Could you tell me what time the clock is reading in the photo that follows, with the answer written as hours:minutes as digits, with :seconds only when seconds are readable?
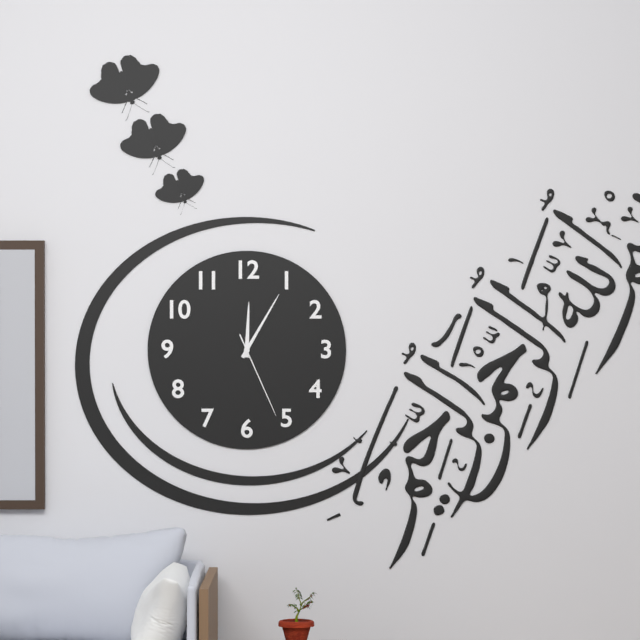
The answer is 12:05:26
